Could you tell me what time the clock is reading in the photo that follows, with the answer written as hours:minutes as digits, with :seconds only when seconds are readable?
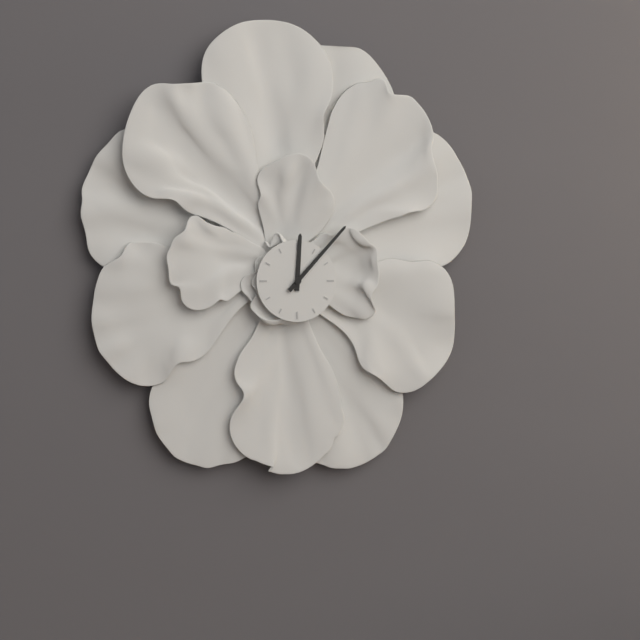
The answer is 12:07
